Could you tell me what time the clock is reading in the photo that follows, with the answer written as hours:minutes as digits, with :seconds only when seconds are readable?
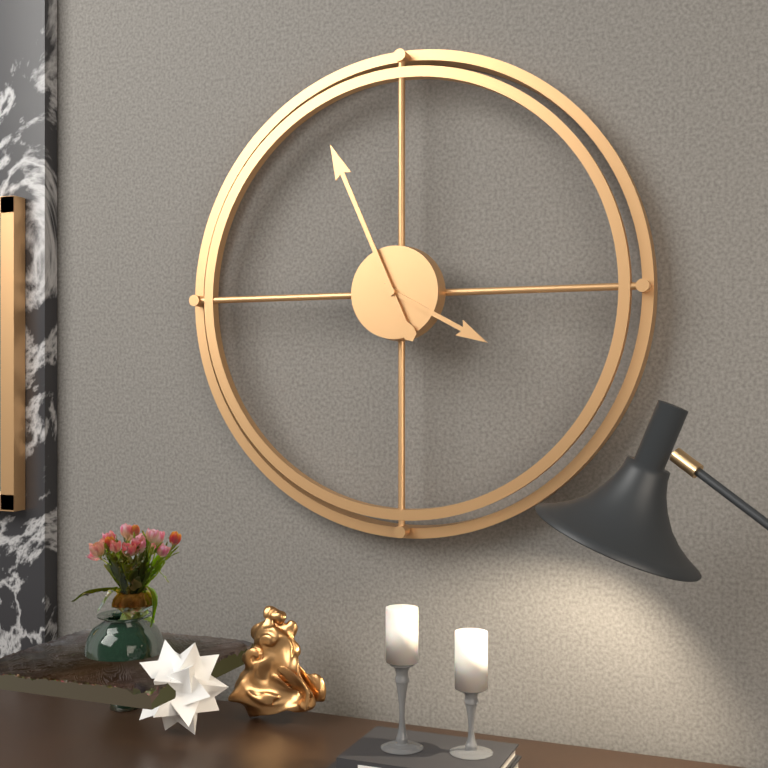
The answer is 3:56
